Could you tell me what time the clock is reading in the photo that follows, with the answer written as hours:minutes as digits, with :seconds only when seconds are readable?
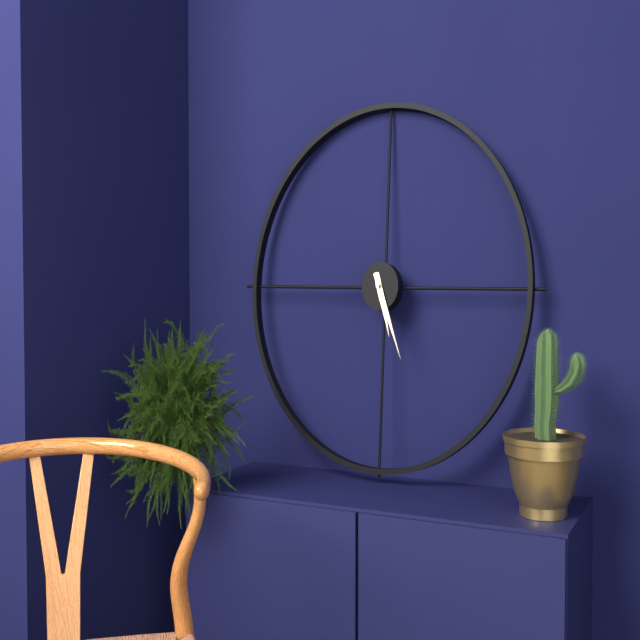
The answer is 5:26
